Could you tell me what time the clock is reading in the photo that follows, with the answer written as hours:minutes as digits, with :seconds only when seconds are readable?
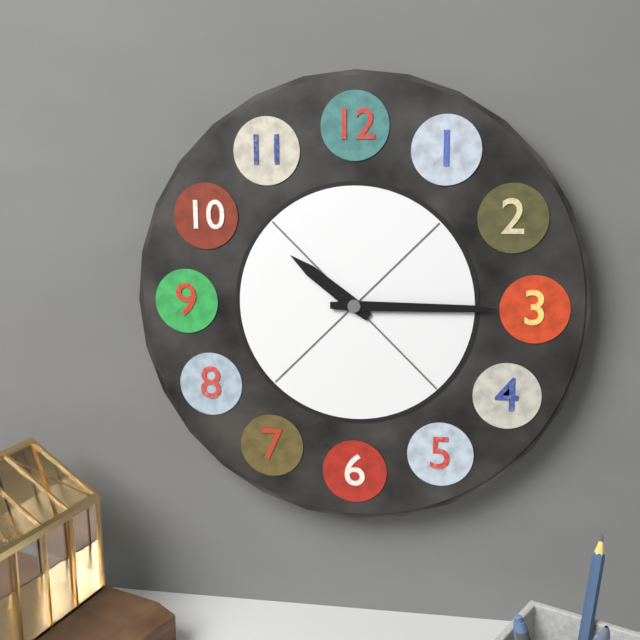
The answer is 10:15
